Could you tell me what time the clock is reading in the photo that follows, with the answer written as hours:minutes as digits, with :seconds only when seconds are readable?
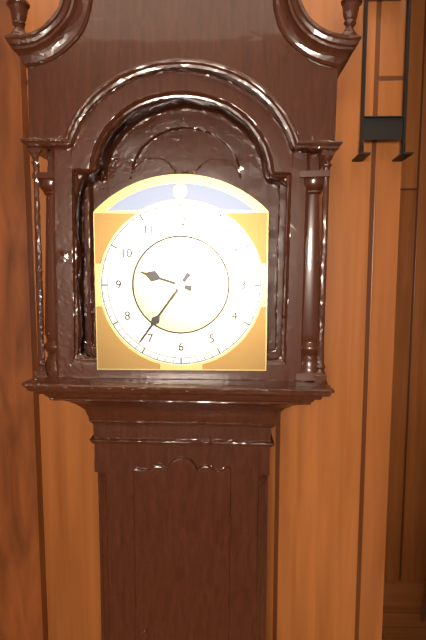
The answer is 9:36
